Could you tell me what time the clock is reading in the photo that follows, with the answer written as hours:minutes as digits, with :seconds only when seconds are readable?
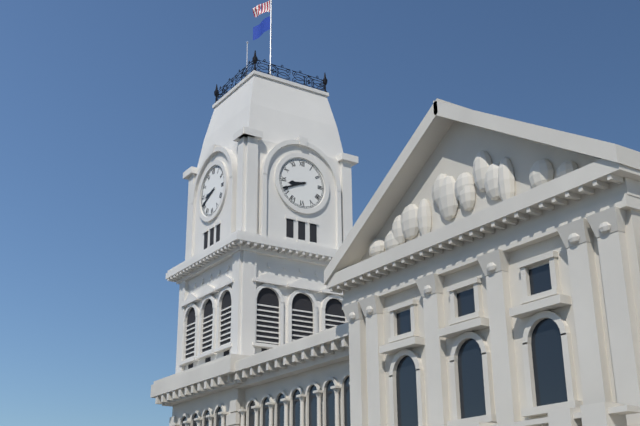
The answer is 8:41
